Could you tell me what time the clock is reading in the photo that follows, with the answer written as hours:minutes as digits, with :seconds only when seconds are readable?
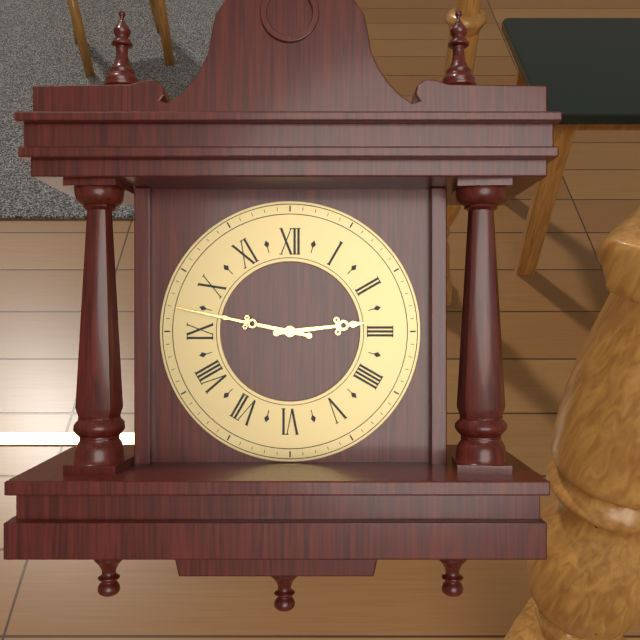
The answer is 2:47
